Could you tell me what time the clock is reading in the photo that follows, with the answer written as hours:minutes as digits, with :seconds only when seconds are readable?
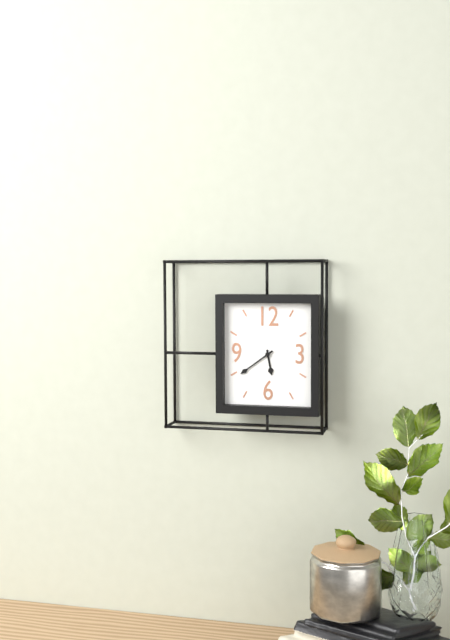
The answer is 5:39
